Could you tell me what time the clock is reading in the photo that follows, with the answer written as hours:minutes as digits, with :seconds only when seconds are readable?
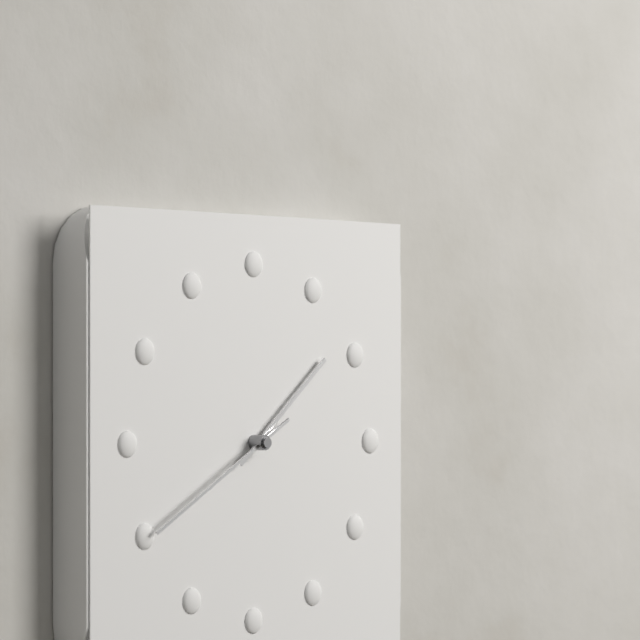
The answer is 1:40
